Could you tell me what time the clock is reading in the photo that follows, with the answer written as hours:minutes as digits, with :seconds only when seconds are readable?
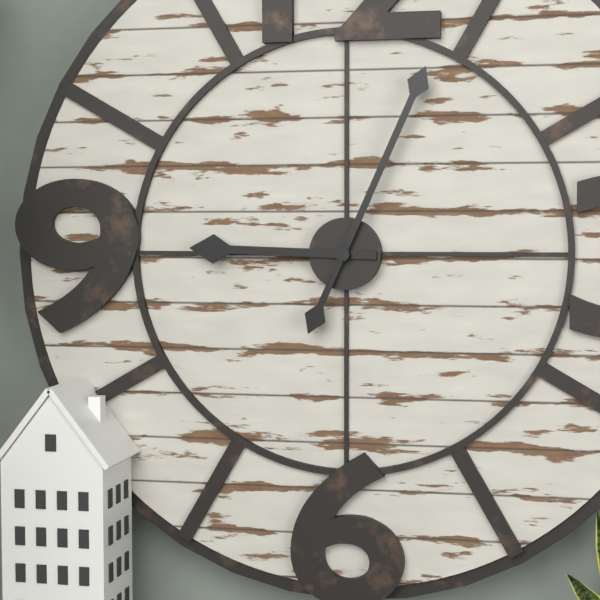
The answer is 9:04
